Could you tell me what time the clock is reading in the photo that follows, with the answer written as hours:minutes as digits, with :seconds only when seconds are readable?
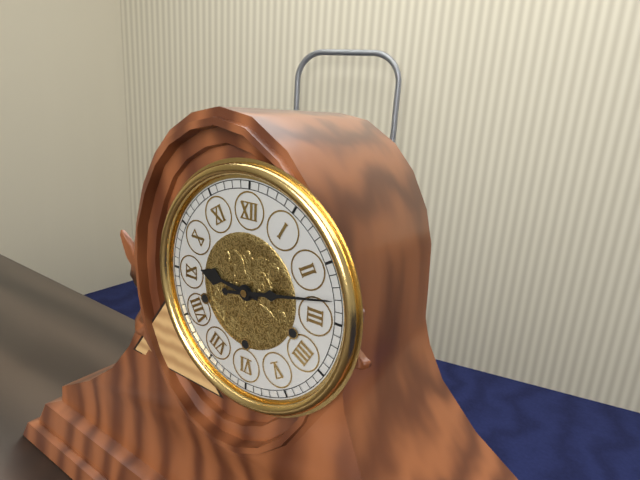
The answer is 9:13
